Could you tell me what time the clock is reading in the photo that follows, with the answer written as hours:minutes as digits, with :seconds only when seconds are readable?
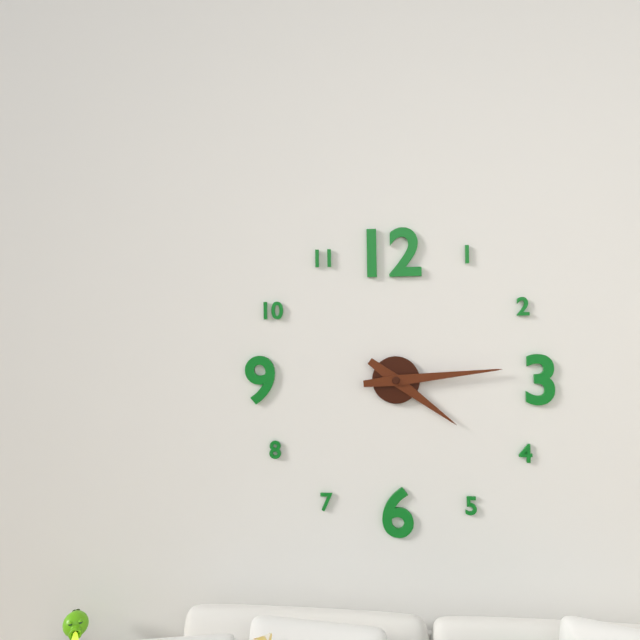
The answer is 4:14
